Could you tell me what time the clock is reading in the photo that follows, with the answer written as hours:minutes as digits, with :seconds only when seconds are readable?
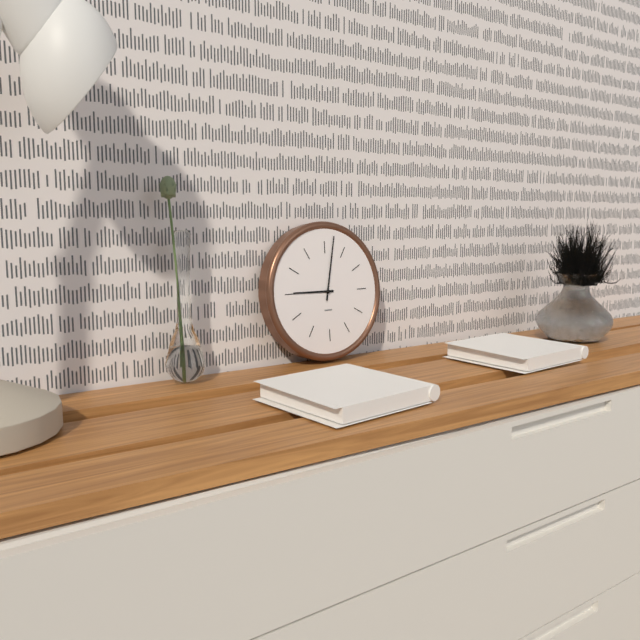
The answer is 9:02
